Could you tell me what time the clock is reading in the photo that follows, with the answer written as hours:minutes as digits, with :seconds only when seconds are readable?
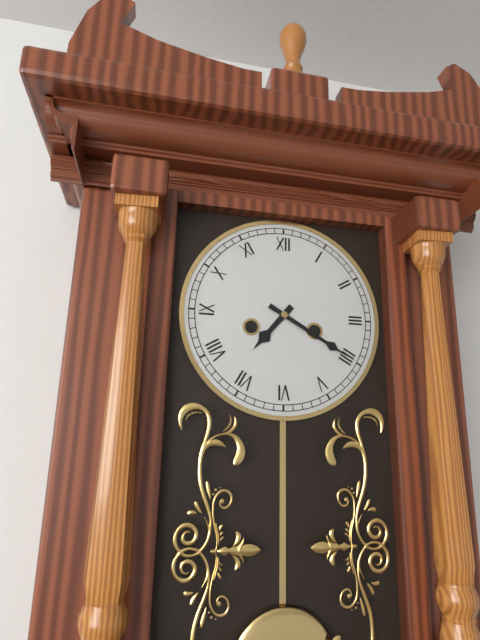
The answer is 7:20
